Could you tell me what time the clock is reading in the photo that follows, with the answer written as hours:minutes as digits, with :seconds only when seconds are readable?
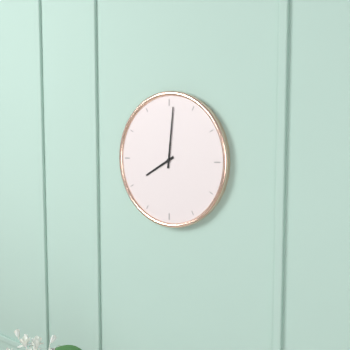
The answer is 8:01
